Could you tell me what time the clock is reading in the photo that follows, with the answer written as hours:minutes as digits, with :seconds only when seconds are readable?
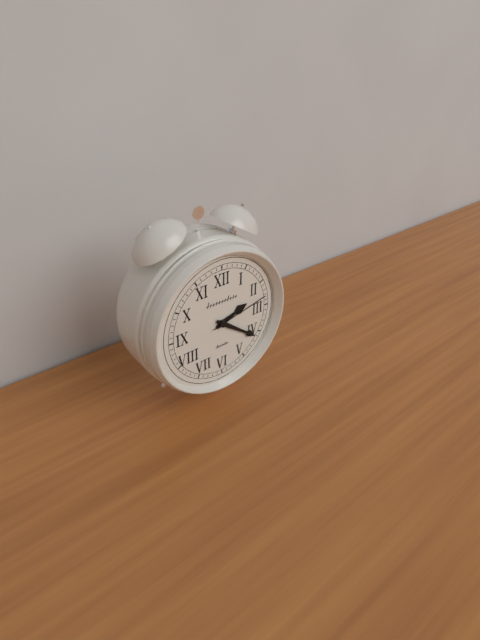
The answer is 2:21:13
